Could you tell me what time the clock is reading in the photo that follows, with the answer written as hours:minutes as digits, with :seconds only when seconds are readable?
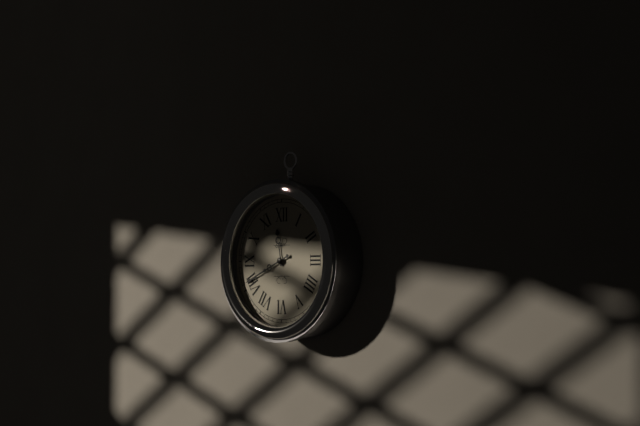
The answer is 11:41
